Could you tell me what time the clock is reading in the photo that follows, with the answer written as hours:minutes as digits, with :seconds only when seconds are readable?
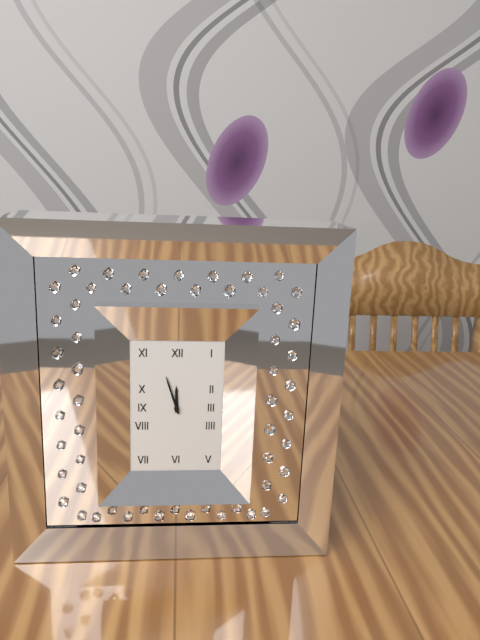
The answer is 11:57
